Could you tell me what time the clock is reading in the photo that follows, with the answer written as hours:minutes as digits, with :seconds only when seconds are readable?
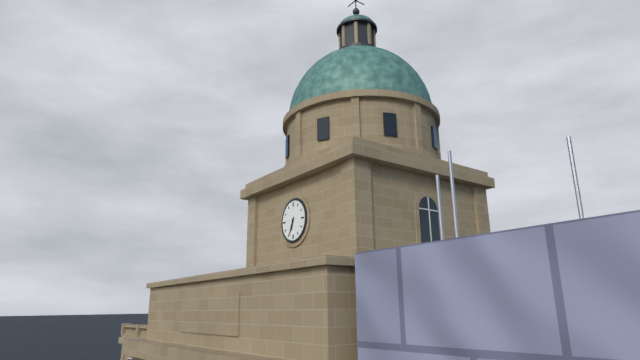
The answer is 6:34
